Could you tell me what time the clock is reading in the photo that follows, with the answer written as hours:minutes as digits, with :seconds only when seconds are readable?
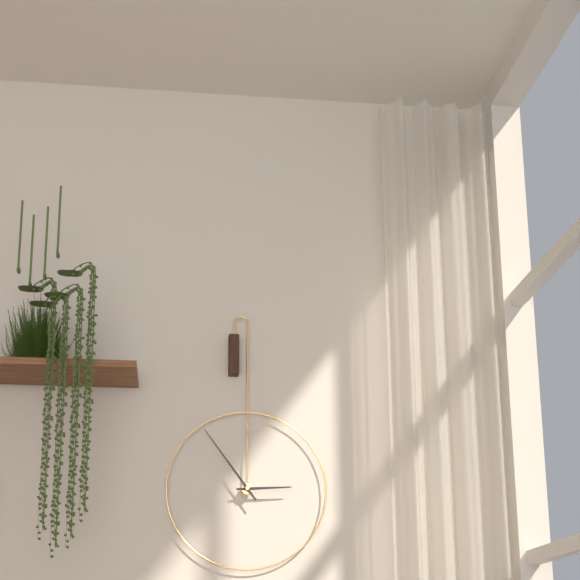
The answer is 2:54
